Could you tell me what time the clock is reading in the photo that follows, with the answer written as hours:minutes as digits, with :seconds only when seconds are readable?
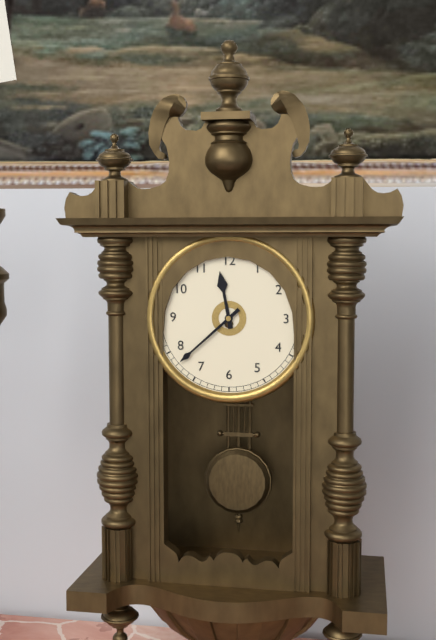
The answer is 11:38
